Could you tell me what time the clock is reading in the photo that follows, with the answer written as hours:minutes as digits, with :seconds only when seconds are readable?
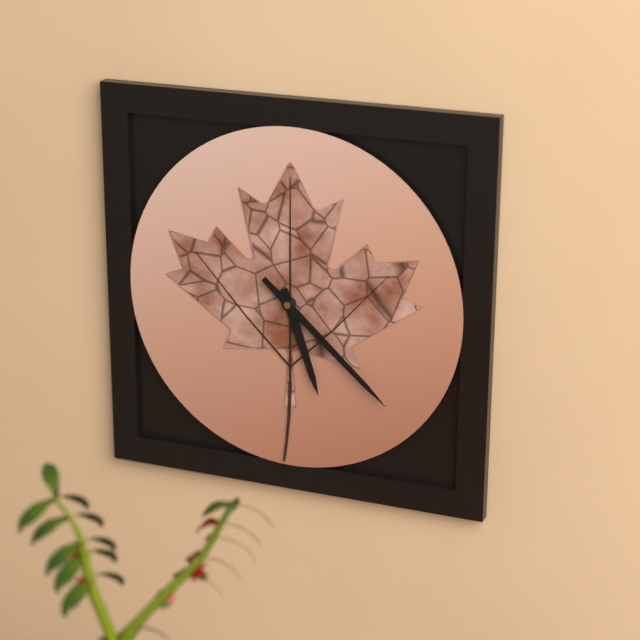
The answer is 5:22
